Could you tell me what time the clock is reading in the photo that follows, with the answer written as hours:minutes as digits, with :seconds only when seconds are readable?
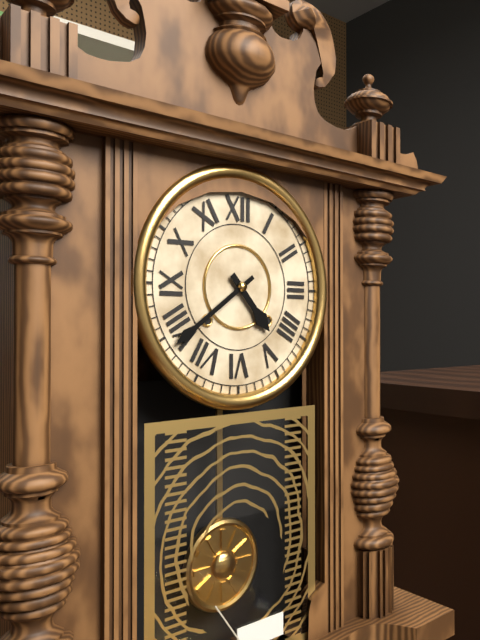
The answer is 4:39
